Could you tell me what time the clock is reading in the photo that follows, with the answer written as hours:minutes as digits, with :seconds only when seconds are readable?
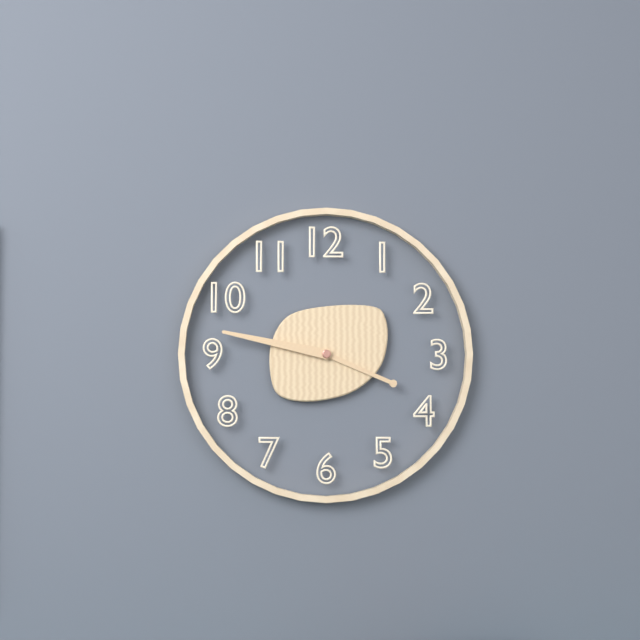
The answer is 3:47
